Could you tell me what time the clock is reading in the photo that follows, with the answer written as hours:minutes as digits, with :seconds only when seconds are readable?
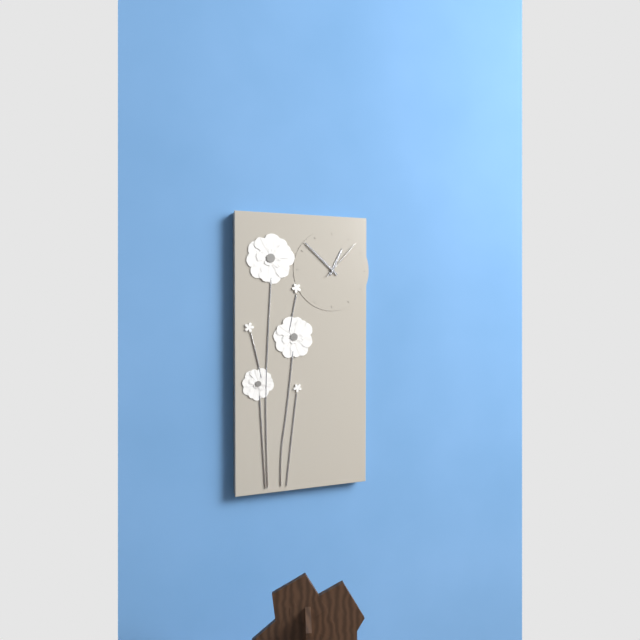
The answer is 12:52
